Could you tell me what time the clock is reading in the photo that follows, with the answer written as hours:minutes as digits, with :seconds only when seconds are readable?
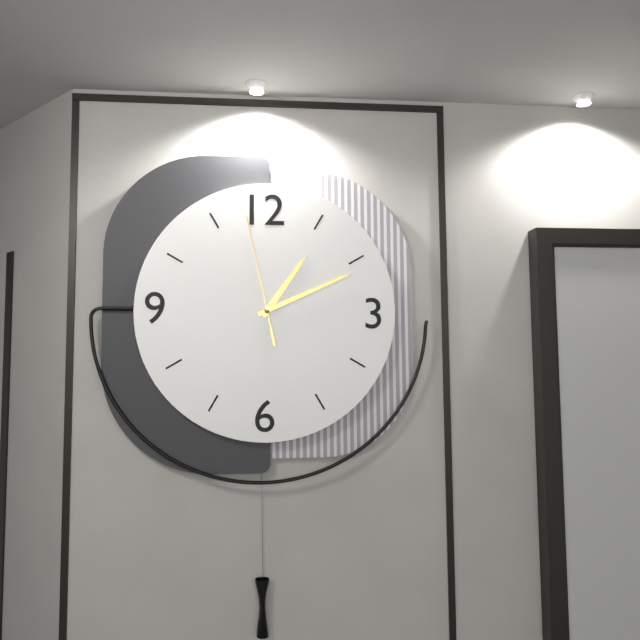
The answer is 1:11:58
